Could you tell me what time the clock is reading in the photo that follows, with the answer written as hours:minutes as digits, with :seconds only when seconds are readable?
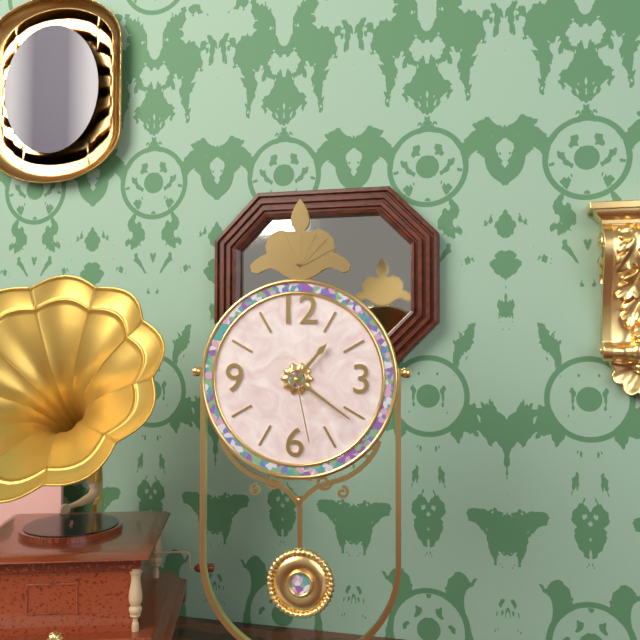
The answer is 1:21:28
